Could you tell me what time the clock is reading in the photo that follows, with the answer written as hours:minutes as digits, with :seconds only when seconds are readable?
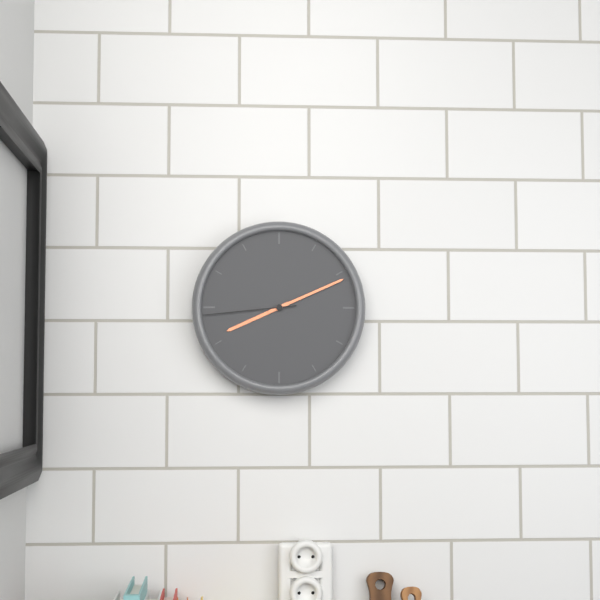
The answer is 8:11:44
